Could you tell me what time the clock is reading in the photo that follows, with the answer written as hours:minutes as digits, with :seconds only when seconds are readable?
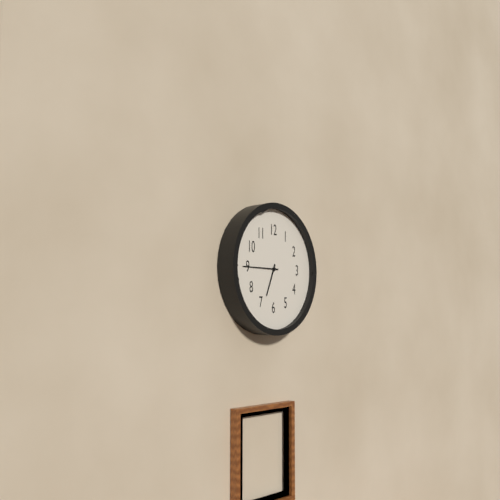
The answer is 6:45
